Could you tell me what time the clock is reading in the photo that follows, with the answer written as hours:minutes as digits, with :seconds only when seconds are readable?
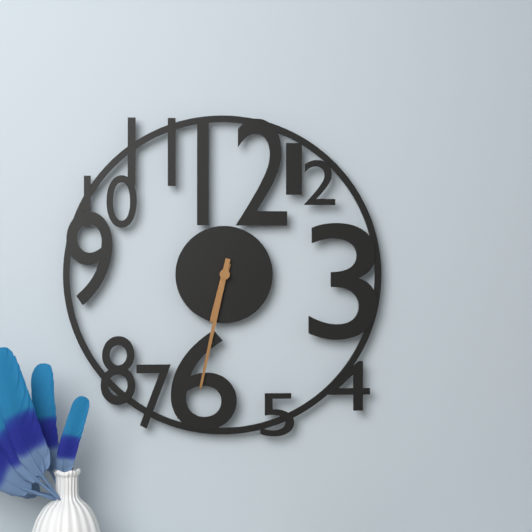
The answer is 6:32
